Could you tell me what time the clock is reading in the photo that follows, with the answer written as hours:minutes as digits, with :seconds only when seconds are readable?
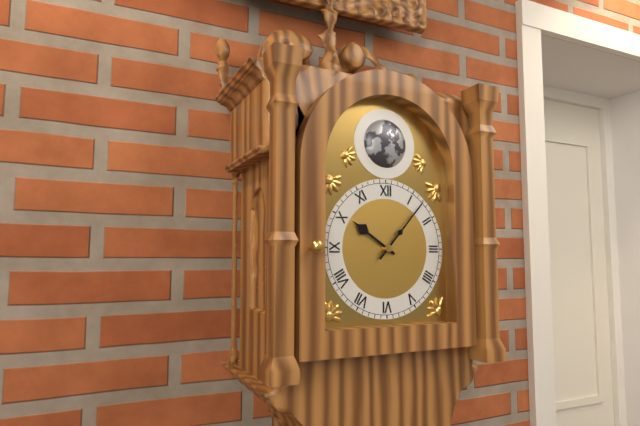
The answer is 10:07
